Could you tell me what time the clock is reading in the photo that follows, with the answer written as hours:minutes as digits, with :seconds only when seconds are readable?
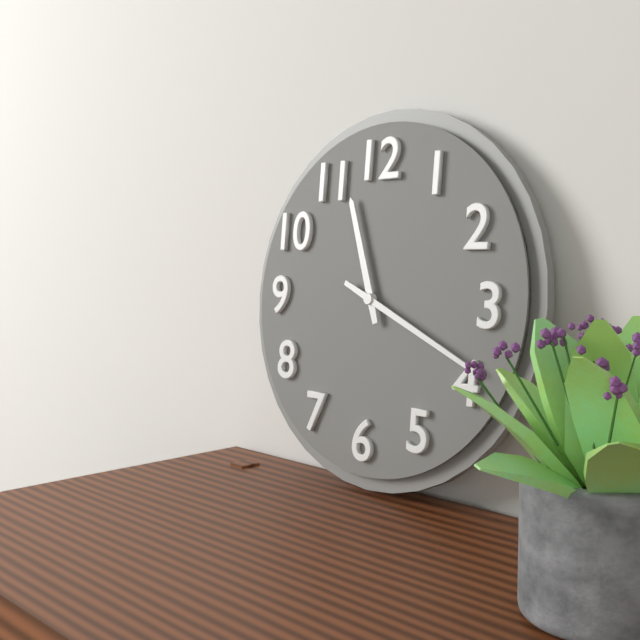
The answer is 11:19
